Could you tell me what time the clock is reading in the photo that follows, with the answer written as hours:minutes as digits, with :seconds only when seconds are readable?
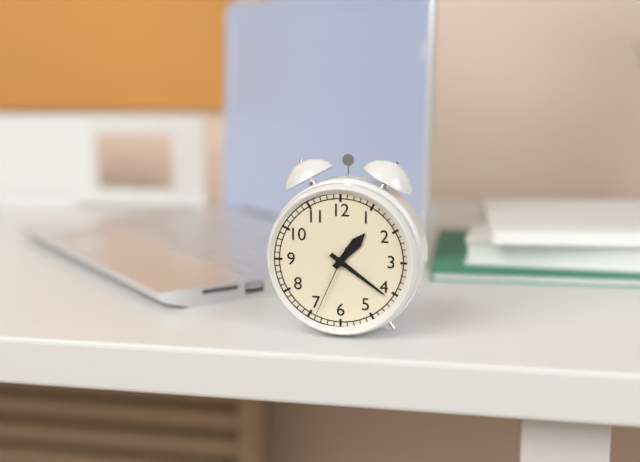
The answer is 1:21:34
